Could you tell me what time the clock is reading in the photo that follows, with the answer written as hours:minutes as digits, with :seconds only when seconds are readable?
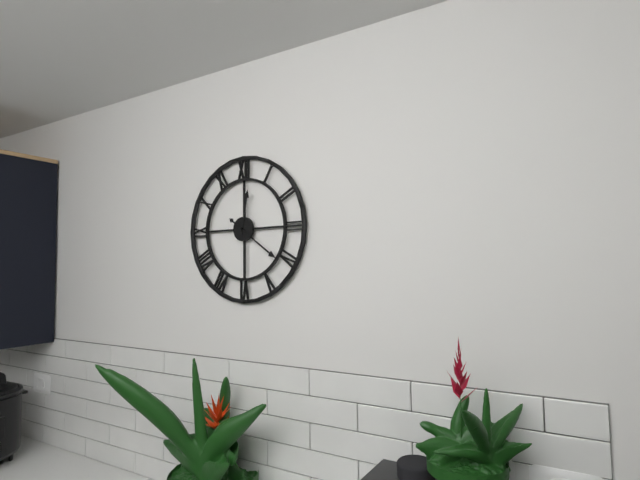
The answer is 12:21
